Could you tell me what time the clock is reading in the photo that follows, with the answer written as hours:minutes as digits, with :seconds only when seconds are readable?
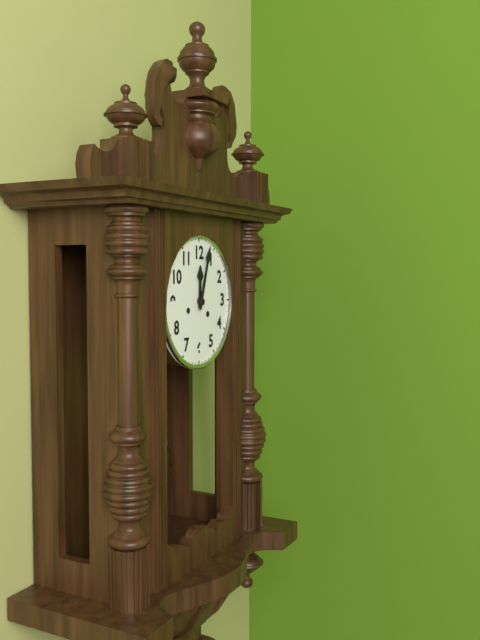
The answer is 12:03
